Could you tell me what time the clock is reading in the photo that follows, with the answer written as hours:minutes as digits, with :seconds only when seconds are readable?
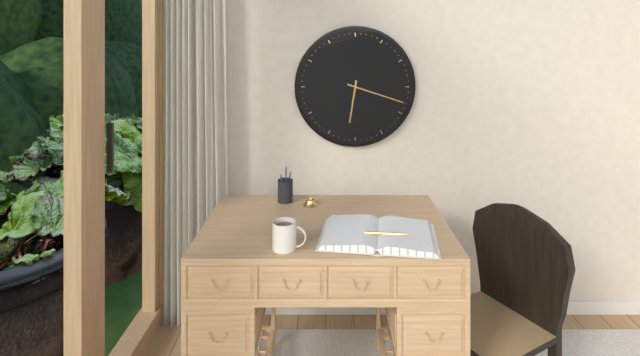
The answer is 6:18
